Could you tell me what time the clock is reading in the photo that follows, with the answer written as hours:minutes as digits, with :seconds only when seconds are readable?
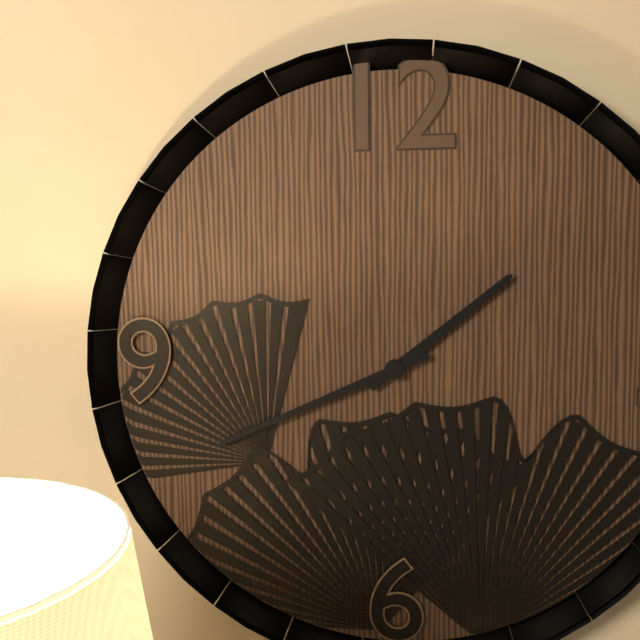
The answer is 1:41
